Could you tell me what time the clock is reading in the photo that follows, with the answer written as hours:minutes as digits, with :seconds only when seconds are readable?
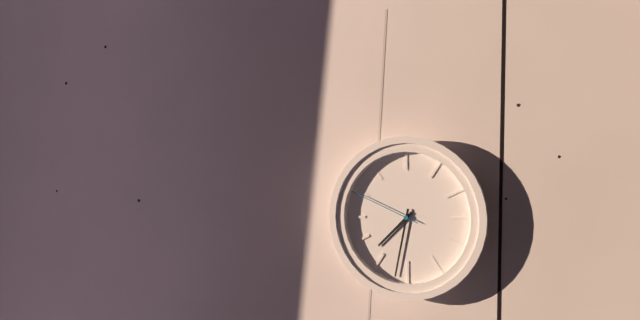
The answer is 7:32:49
